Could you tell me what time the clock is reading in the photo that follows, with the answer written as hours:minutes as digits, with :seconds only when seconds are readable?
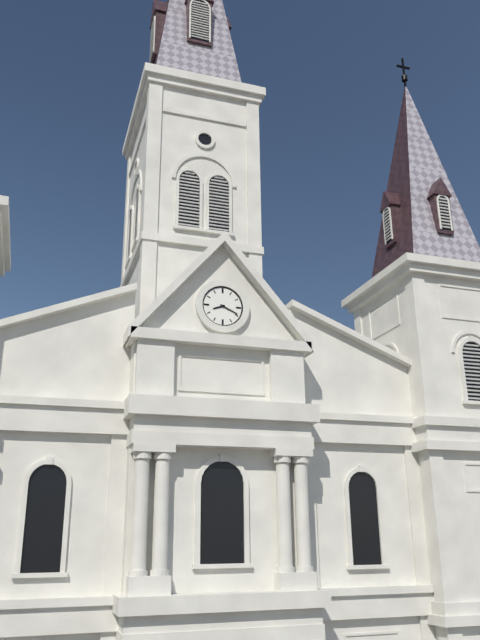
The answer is 8:19
